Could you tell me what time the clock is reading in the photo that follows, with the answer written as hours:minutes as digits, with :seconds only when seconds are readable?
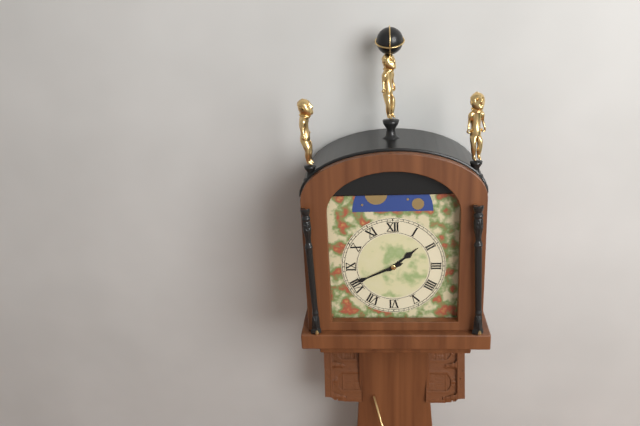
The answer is 1:41
